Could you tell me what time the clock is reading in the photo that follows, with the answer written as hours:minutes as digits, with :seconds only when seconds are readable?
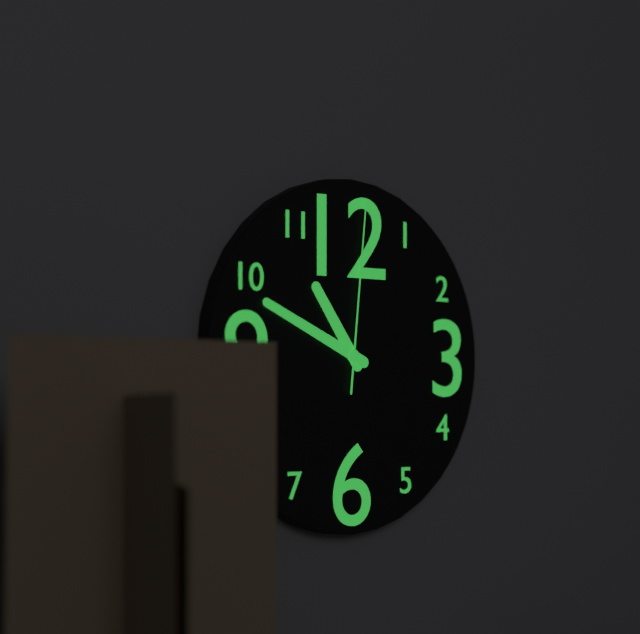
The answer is 10:49:01
